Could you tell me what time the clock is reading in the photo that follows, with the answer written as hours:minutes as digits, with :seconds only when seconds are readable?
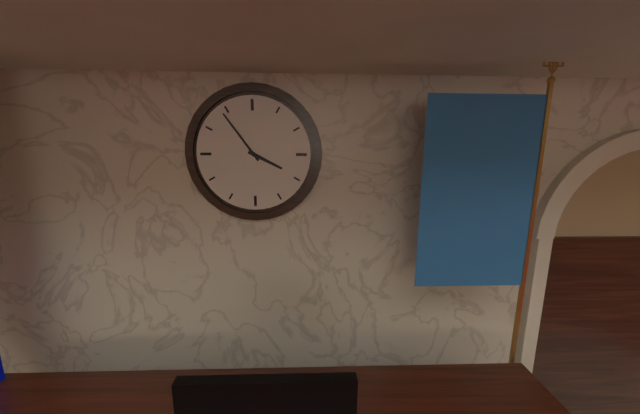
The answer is 3:54
